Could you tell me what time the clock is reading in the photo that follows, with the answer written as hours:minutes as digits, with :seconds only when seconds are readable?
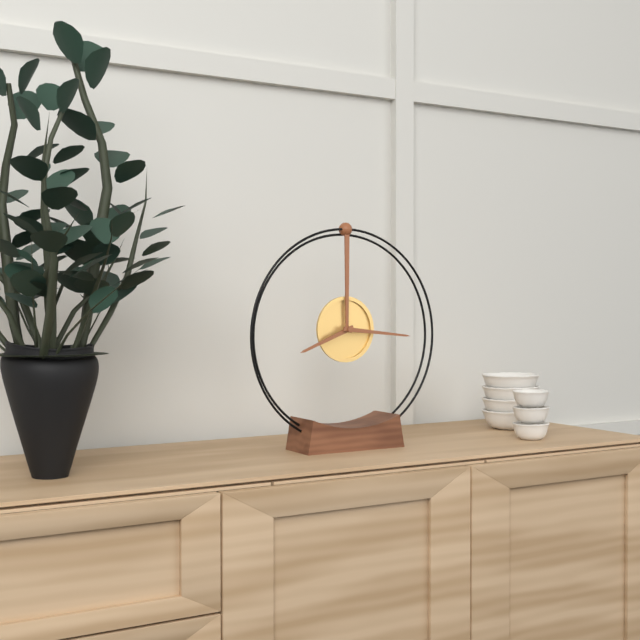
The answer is 8:16
